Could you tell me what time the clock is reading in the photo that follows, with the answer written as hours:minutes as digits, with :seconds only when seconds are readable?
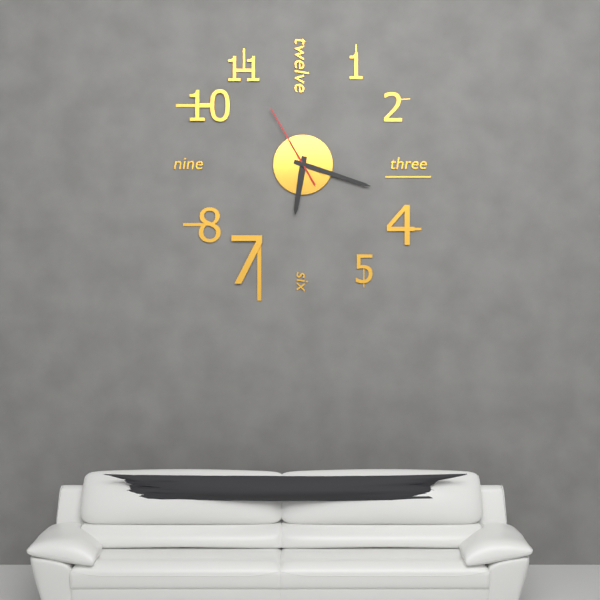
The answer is 6:18:55
